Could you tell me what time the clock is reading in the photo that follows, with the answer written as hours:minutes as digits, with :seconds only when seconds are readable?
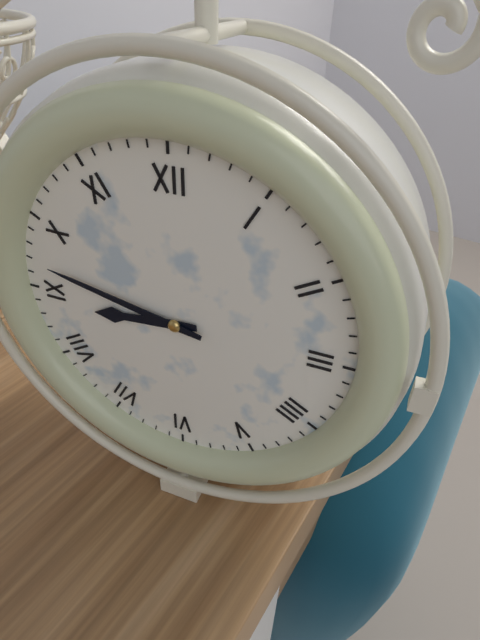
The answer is 8:47
